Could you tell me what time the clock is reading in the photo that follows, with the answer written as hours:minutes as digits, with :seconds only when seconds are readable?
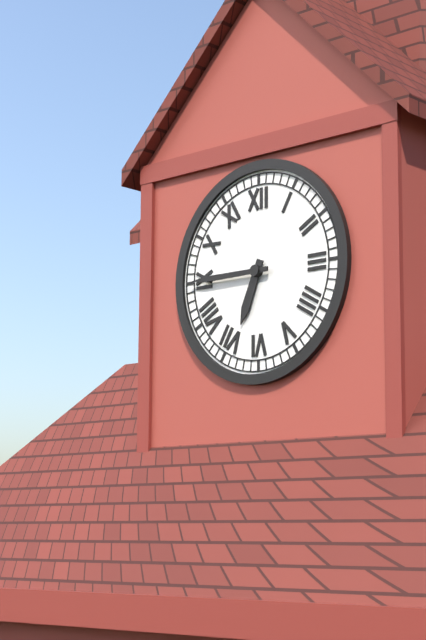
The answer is 6:45
